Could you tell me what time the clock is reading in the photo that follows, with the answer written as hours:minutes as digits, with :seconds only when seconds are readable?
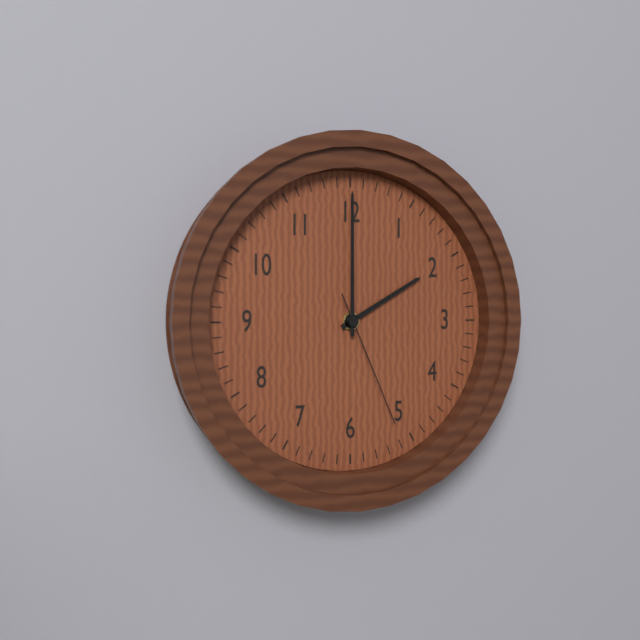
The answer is 2:00:26
